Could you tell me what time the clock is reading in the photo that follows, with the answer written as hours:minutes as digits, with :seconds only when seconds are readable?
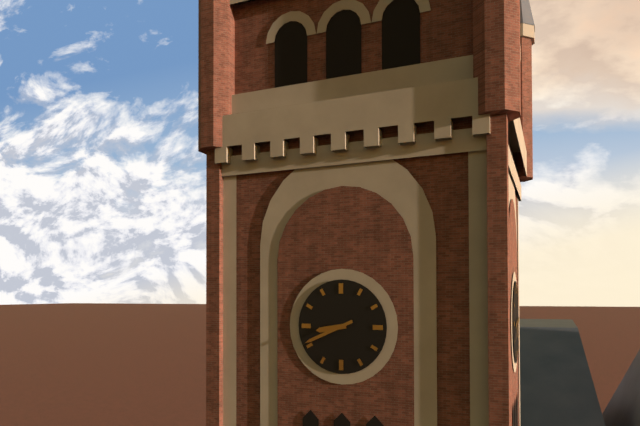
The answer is 8:41
